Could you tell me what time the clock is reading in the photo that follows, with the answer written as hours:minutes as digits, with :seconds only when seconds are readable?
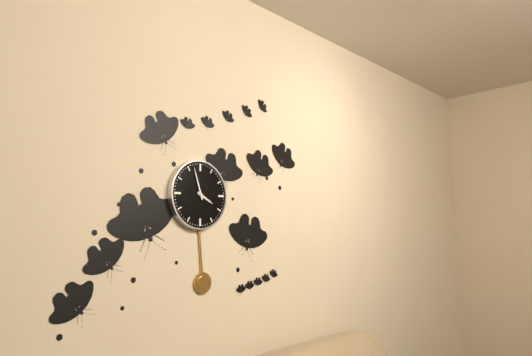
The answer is 3:57
